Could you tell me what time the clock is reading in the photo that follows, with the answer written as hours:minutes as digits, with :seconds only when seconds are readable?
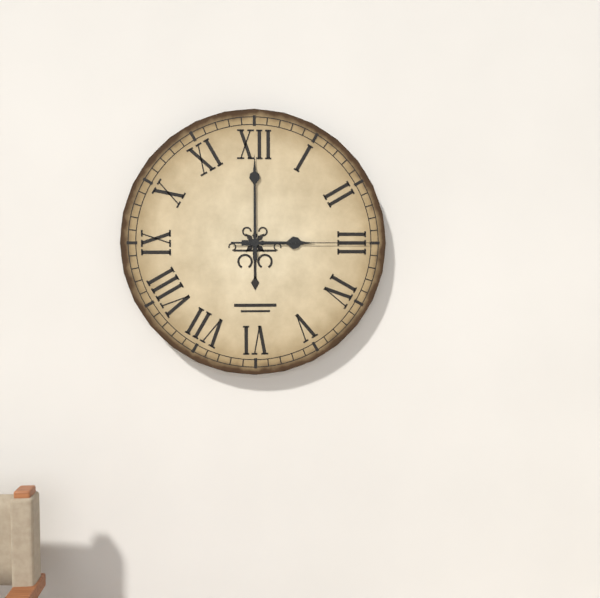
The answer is 3:00:15
